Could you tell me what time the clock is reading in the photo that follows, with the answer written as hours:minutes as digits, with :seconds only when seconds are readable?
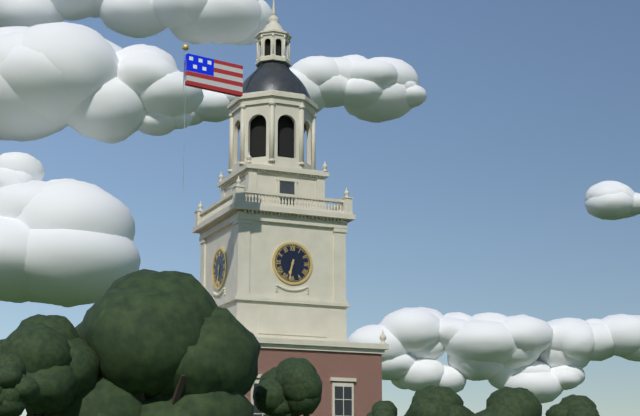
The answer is 6:32
